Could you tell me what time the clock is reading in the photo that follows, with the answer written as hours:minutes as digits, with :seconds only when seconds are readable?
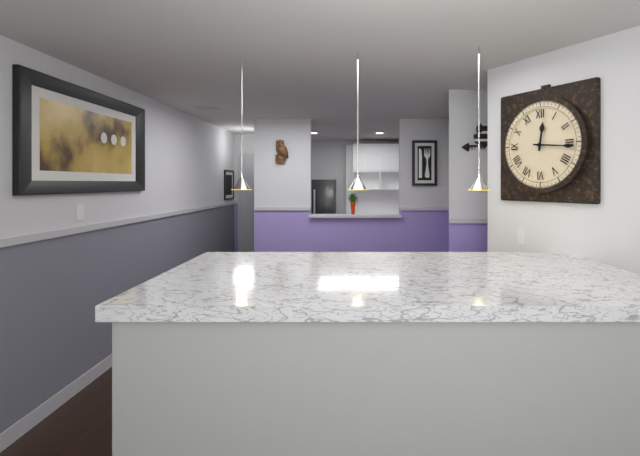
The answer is 12:16
